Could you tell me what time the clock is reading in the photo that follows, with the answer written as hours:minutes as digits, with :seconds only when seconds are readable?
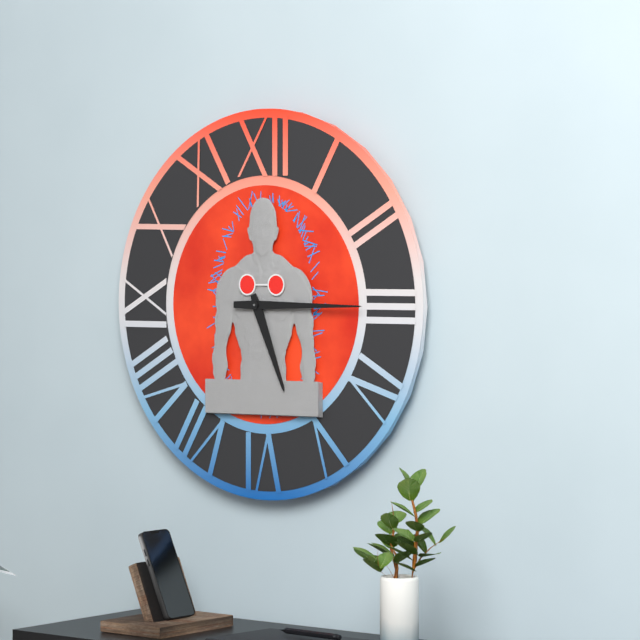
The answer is 5:15
